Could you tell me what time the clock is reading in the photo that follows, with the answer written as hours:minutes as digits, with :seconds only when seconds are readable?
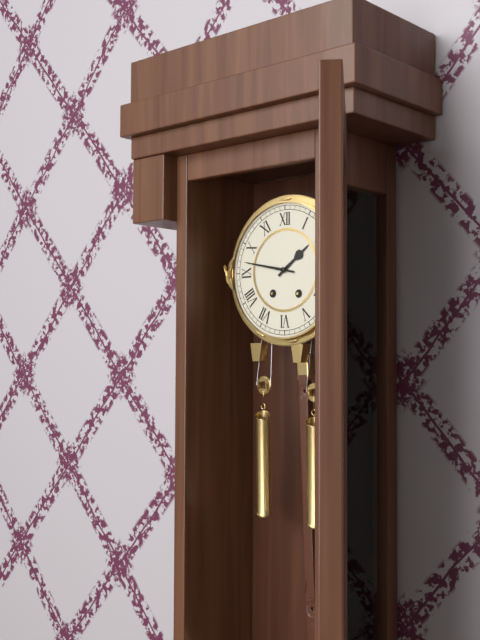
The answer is 1:47
